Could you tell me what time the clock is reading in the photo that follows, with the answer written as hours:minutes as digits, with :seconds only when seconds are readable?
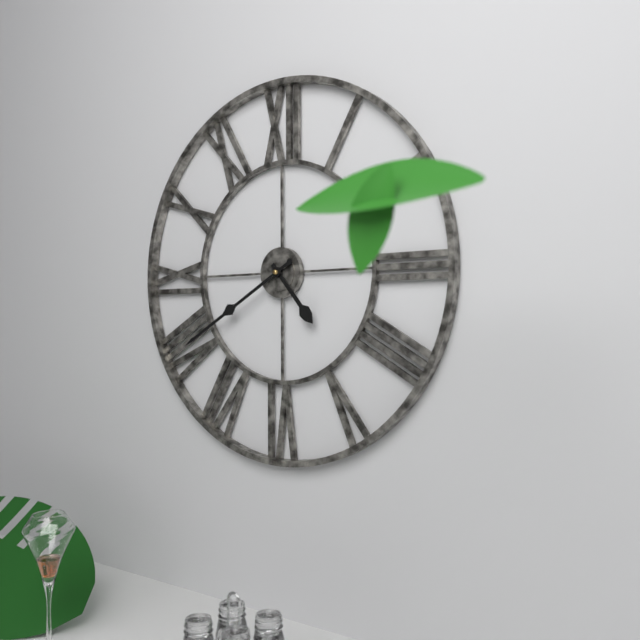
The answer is 4:40
